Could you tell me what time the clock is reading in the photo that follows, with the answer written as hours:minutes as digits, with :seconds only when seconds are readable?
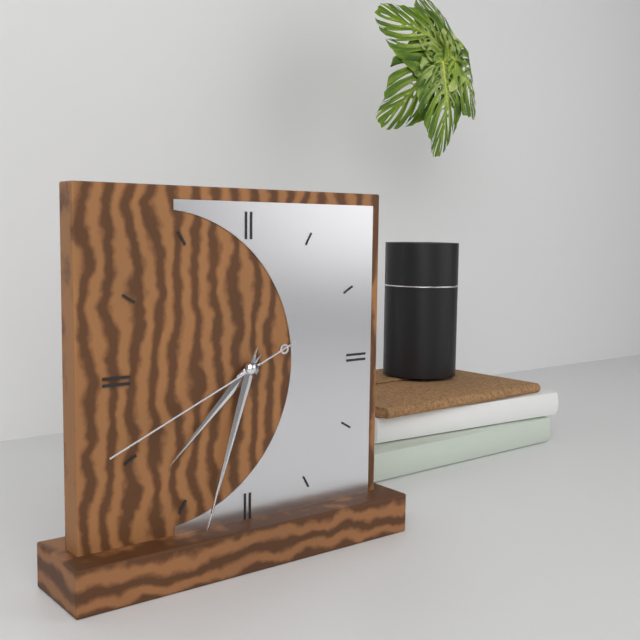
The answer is 7:33:41
